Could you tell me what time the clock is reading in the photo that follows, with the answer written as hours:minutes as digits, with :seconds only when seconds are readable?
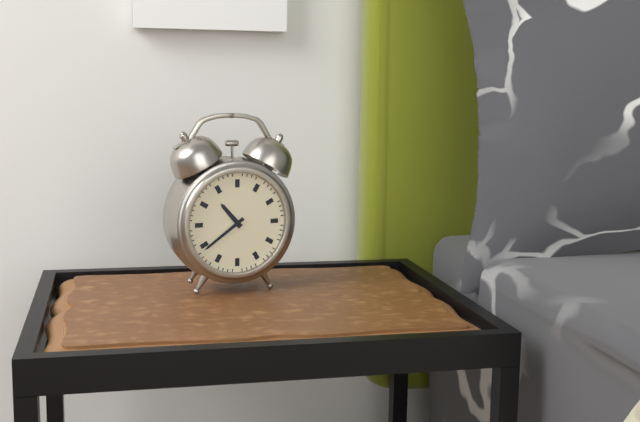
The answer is 10:39
